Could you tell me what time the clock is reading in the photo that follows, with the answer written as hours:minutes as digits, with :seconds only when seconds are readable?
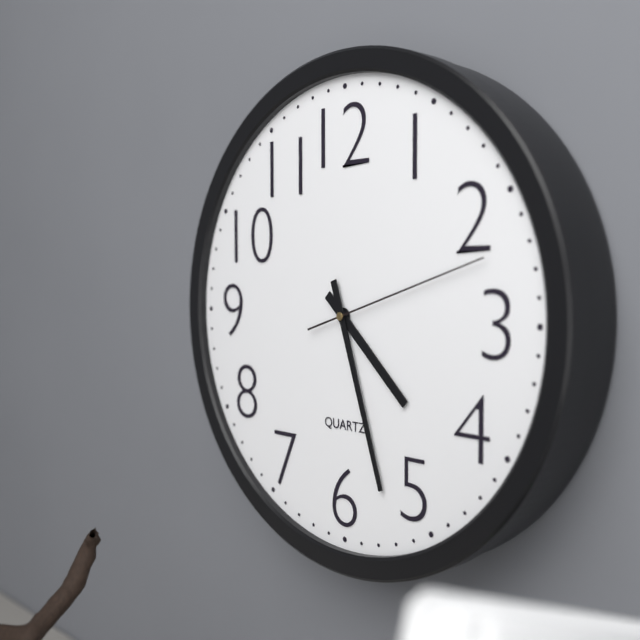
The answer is 4:27:12
